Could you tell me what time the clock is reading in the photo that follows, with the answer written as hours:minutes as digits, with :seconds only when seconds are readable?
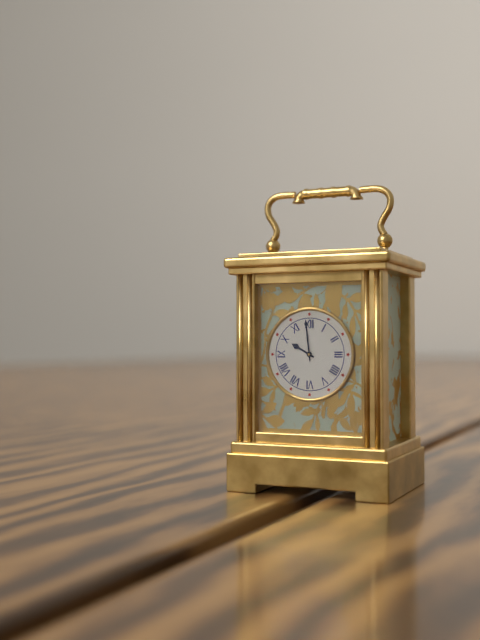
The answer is 9:59
